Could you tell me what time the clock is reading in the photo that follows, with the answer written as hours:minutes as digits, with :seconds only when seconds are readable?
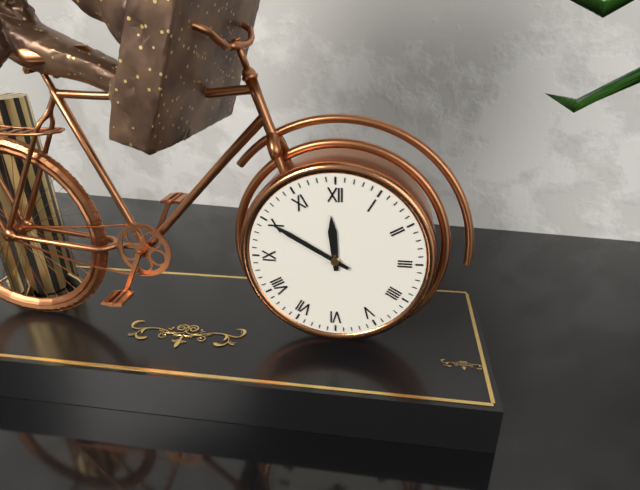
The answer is 11:50
